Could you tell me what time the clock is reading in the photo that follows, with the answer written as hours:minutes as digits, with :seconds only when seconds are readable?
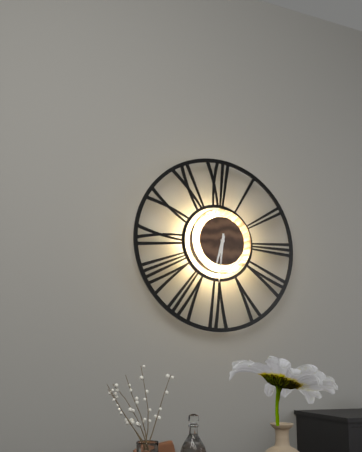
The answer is 6:31
